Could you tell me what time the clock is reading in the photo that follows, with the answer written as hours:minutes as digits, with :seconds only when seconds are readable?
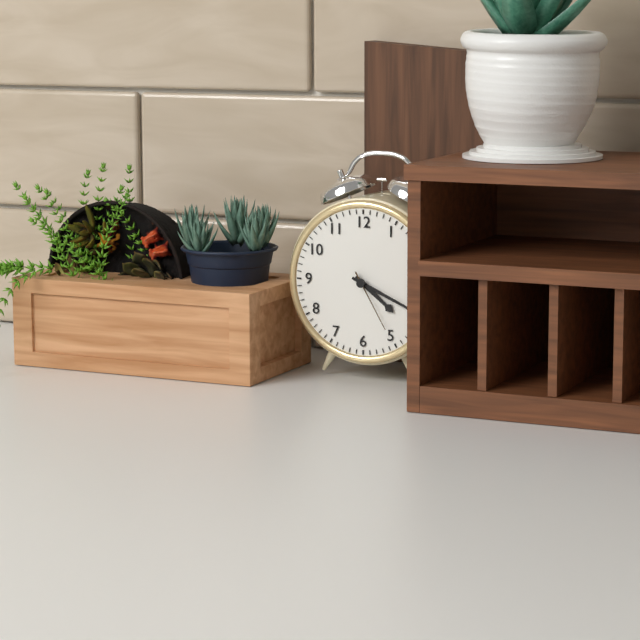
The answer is 4:19:25
